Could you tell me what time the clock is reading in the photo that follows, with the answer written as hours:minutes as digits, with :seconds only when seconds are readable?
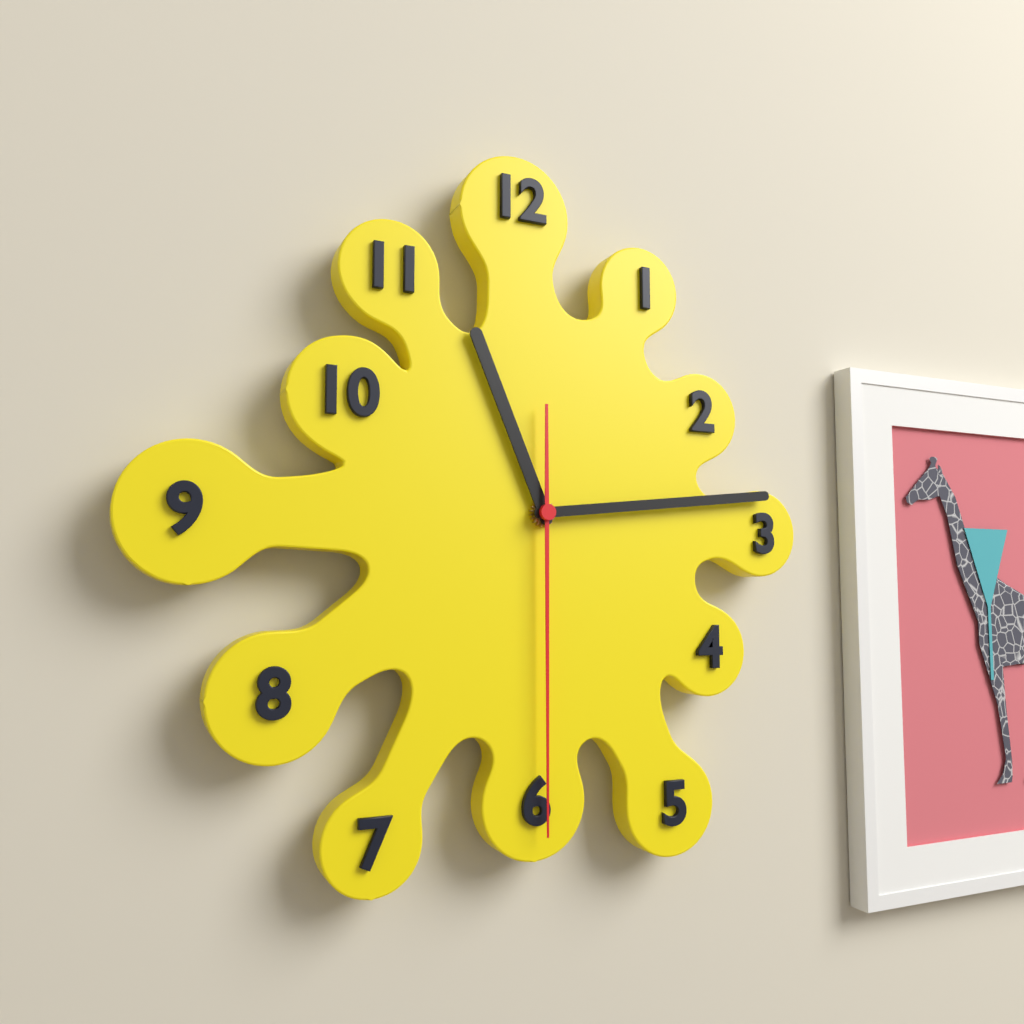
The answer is 11:14:30
